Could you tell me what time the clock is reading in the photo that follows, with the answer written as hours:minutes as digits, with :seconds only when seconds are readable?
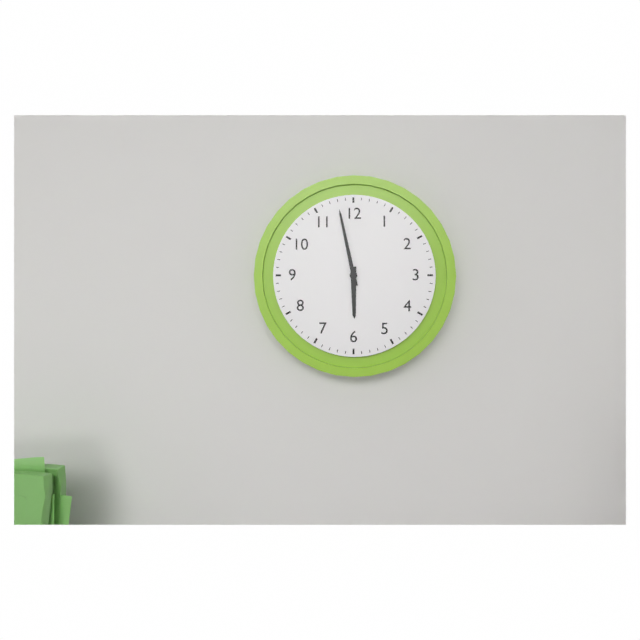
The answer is 5:58
